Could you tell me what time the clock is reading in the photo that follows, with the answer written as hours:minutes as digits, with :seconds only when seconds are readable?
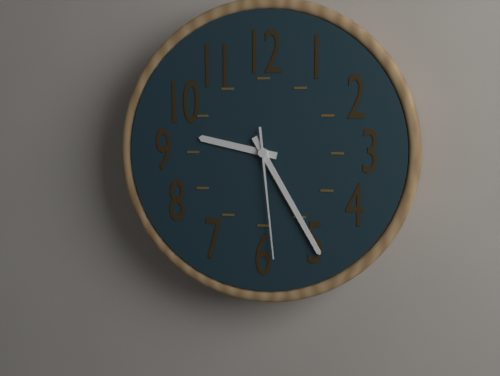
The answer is 9:25:29
